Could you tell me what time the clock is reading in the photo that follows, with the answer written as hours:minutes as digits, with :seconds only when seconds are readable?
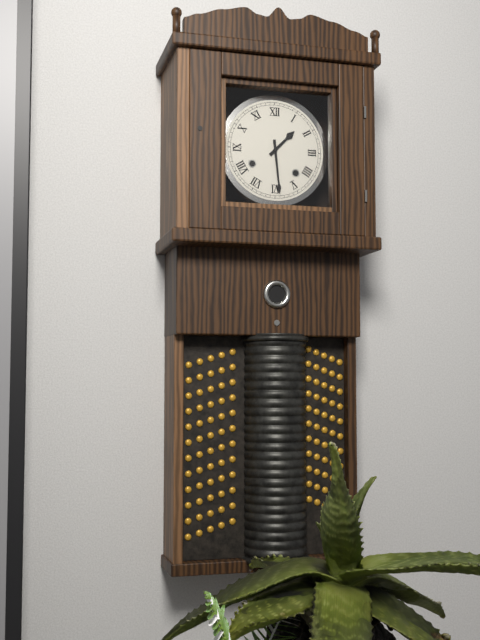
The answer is 1:29
